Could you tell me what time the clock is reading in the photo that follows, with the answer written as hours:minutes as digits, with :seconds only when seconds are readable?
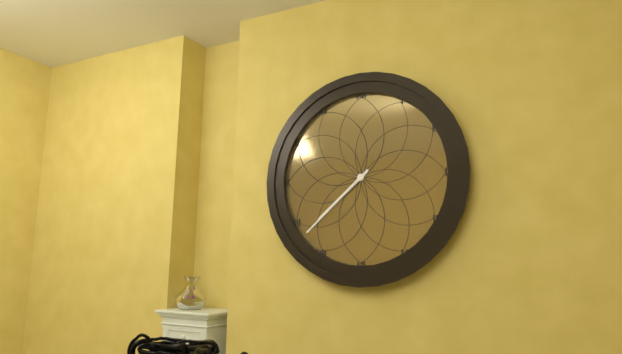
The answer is 7:38
